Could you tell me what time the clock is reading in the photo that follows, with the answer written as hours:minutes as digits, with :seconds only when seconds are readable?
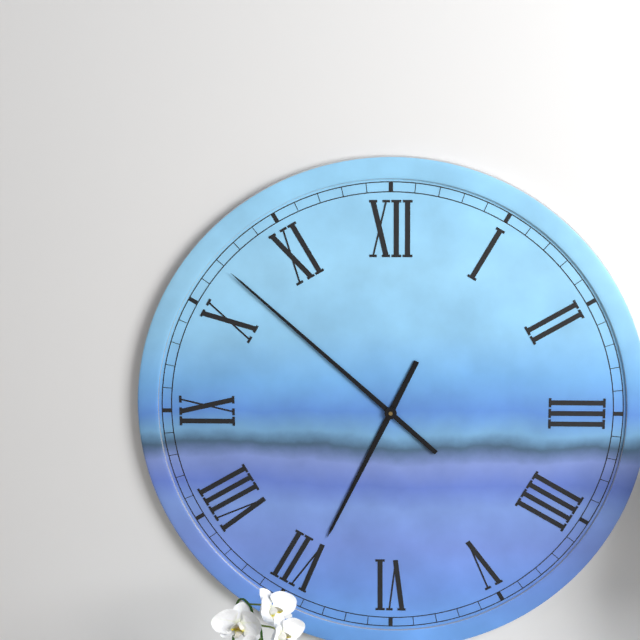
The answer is 6:52
